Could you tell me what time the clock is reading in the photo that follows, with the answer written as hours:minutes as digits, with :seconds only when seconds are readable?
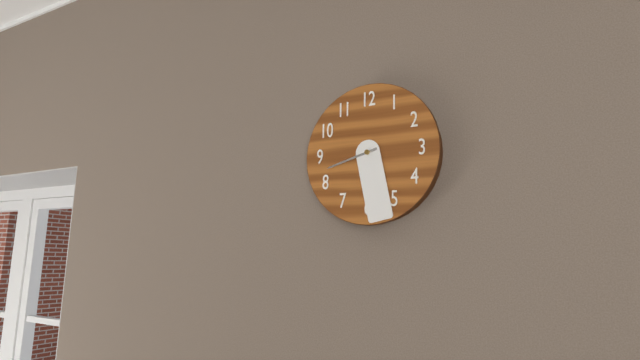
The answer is 8:28
